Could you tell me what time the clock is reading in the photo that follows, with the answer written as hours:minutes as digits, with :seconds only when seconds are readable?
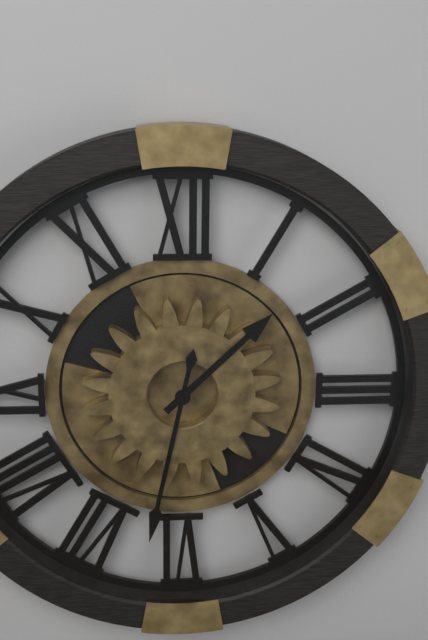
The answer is 1:32
